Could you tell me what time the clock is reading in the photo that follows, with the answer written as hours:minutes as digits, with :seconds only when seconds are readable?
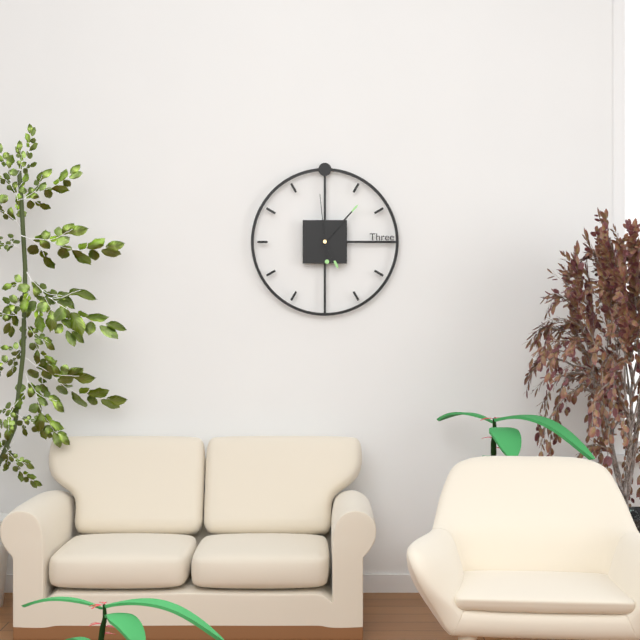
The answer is 5:07:59
